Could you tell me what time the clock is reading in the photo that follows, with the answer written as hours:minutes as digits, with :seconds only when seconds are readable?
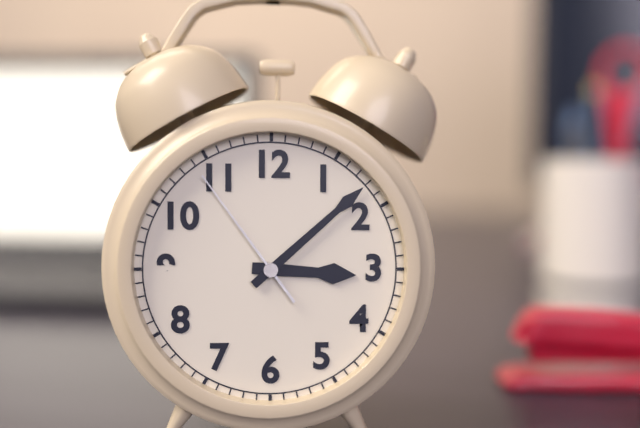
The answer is 3:08:54
